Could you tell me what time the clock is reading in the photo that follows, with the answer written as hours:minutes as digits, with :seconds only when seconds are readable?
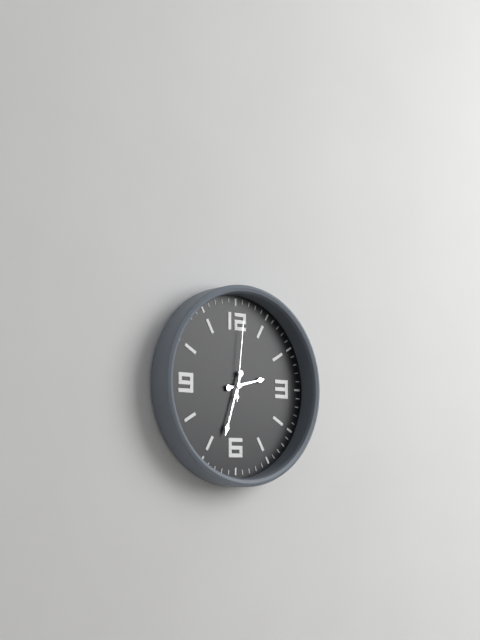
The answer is 2:33:01
